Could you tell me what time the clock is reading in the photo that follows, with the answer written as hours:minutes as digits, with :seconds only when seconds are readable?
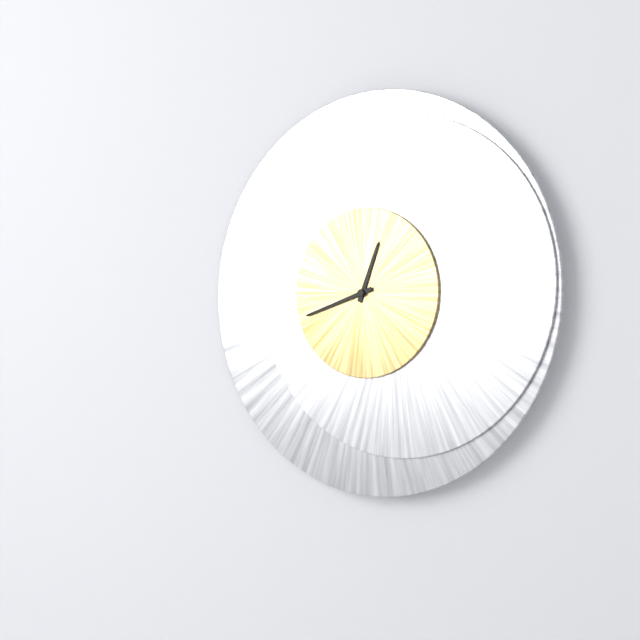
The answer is 12:42
